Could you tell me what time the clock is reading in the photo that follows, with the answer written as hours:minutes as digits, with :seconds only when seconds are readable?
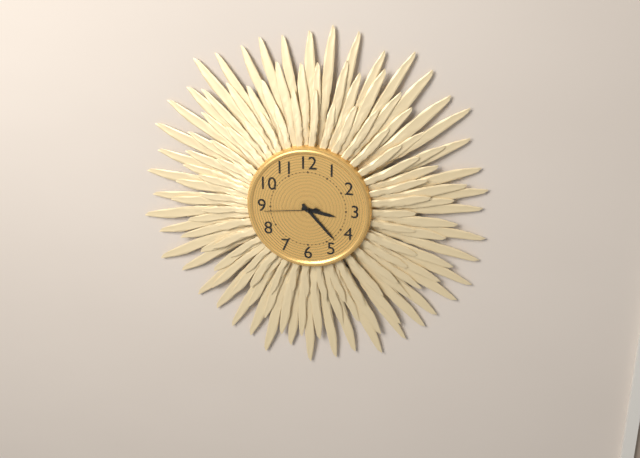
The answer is 3:23:44
